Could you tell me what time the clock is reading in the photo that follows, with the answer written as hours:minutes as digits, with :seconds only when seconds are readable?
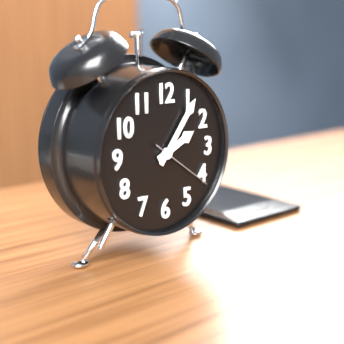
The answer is 2:06:21
